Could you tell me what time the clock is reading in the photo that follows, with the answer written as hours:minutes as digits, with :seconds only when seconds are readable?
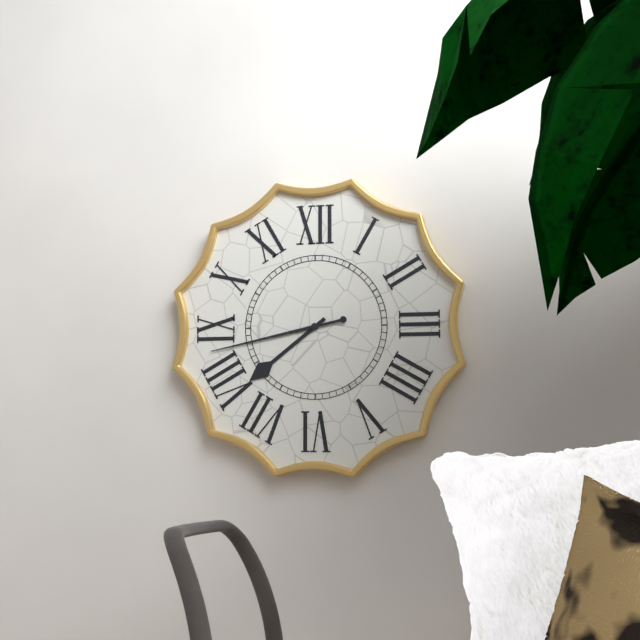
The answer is 7:43
